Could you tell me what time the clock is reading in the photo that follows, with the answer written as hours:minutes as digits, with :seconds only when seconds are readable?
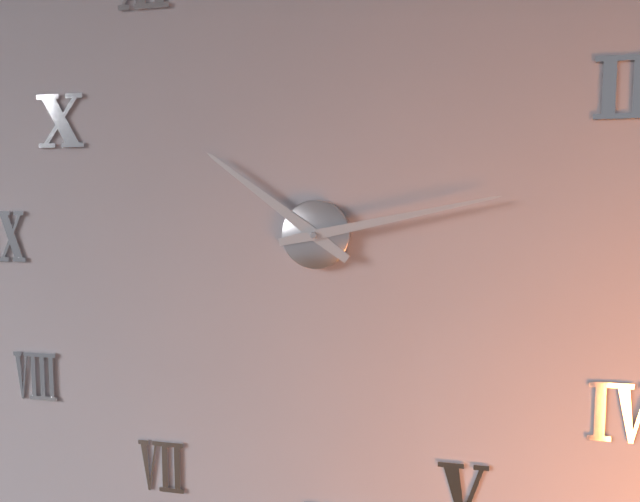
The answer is 10:13
